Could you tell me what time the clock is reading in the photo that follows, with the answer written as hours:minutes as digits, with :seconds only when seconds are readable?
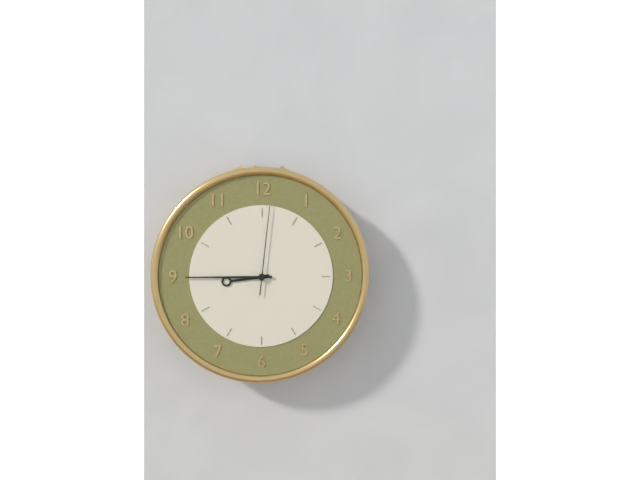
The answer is 8:45:01
